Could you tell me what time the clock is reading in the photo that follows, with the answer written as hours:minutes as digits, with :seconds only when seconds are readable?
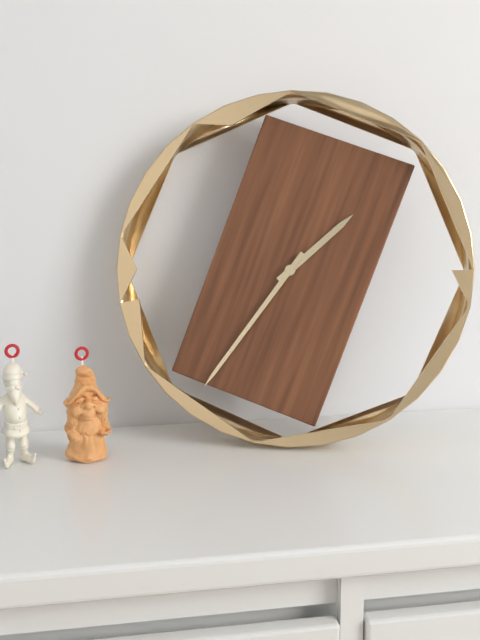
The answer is 1:36
